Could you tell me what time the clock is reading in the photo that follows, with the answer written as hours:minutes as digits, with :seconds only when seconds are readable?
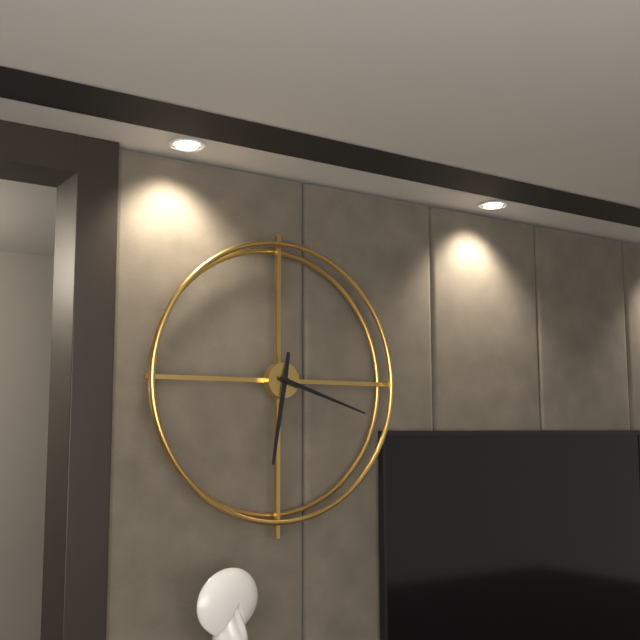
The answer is 6:18
